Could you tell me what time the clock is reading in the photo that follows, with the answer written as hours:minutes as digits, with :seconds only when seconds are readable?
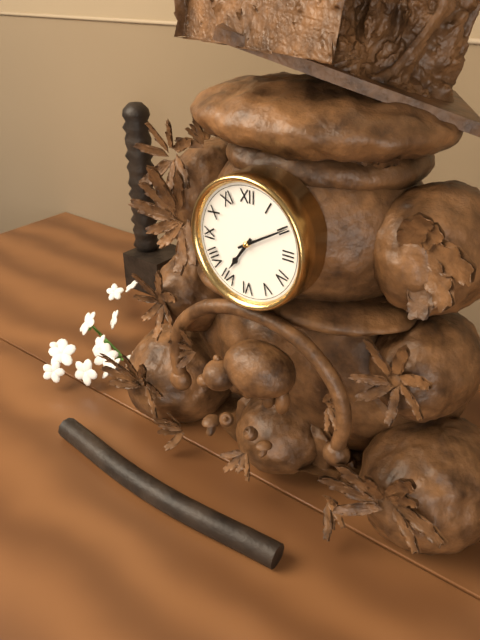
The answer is 7:10
